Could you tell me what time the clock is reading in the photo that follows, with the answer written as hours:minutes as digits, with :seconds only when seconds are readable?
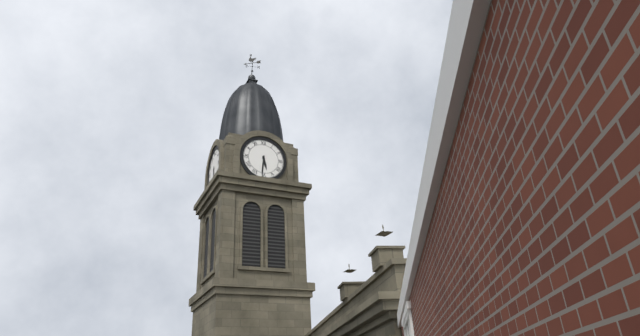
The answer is 5:31
